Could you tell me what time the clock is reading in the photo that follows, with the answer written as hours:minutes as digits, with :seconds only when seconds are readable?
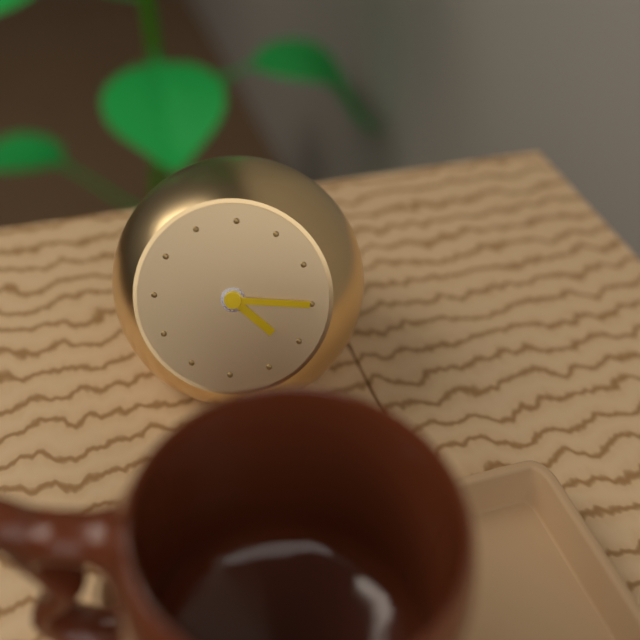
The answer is 4:15
